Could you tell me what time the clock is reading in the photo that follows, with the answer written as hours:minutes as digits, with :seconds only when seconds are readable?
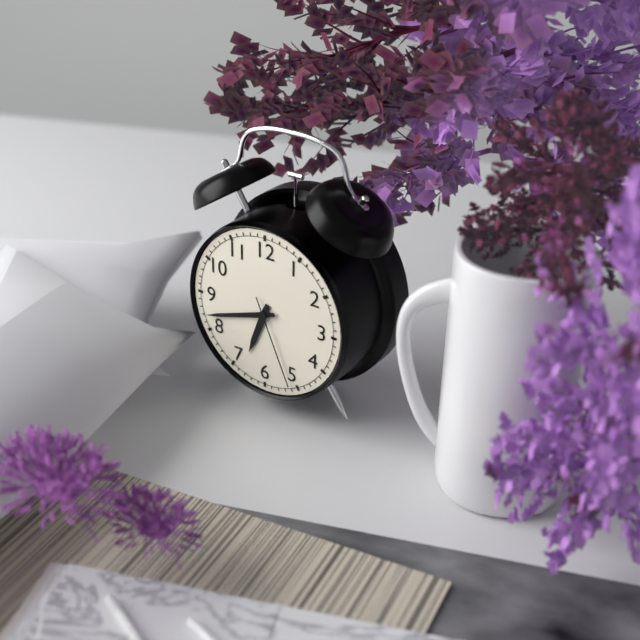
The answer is 6:42:26
